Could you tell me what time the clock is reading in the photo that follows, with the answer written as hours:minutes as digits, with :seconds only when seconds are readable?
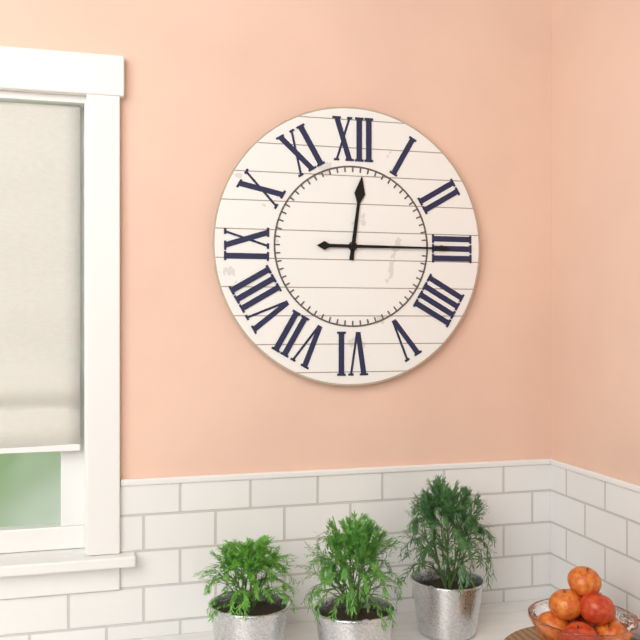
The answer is 12:15
